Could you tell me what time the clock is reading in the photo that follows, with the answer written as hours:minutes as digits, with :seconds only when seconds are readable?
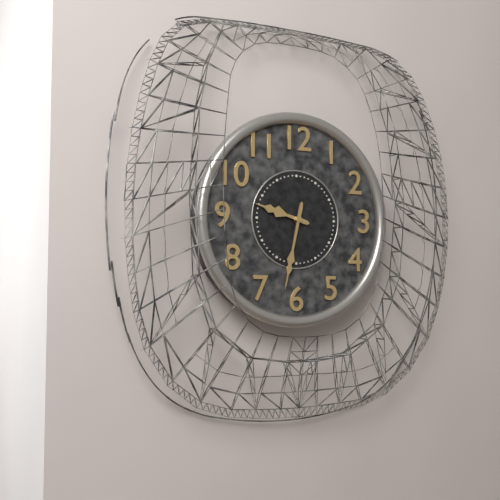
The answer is 9:32
